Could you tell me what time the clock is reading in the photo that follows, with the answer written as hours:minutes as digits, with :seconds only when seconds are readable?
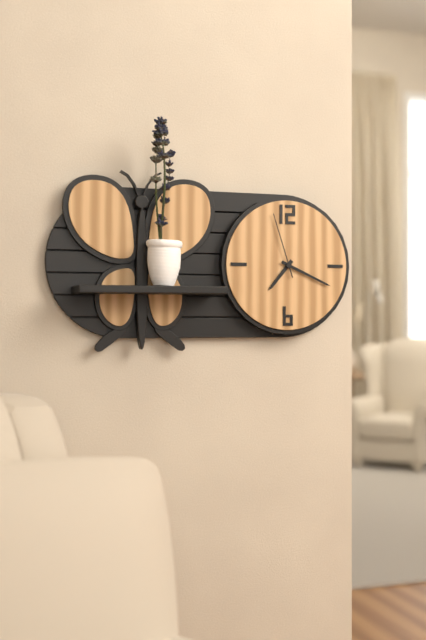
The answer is 7:19:57
